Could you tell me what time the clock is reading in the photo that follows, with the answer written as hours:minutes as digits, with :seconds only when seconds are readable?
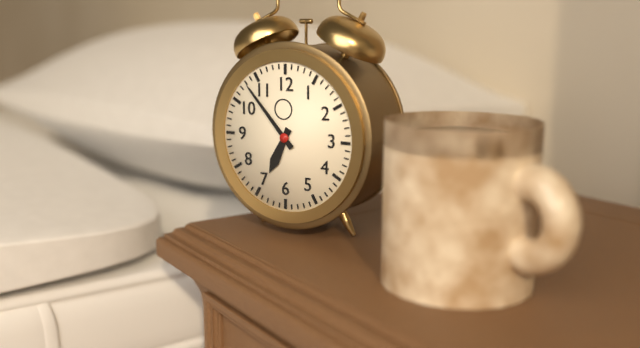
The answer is 6:53
